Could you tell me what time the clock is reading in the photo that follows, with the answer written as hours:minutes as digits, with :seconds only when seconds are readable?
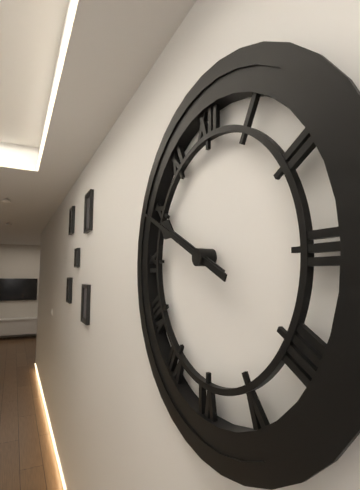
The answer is 9:49
